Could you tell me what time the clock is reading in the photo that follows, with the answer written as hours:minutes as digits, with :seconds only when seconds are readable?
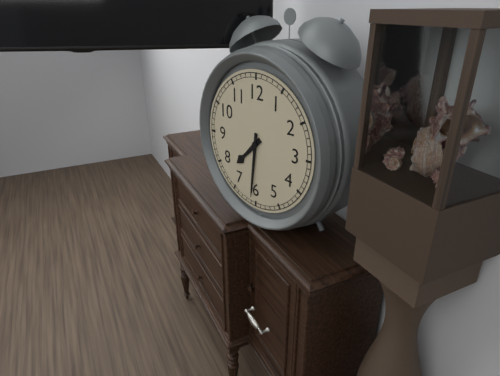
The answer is 7:31
